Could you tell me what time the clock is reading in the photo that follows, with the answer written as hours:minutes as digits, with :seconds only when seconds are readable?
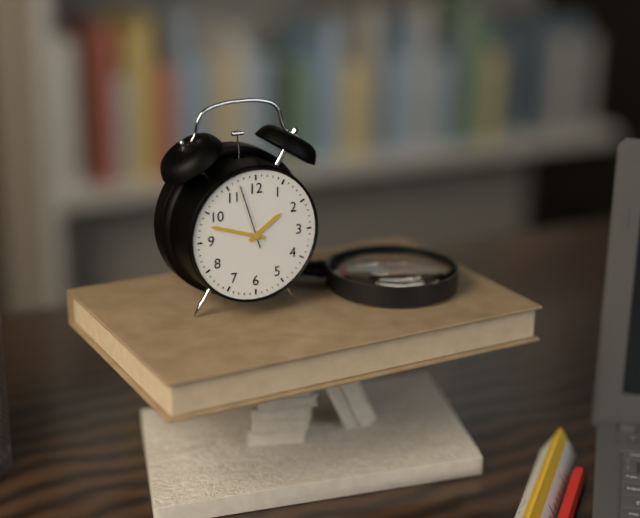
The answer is 1:48:57
